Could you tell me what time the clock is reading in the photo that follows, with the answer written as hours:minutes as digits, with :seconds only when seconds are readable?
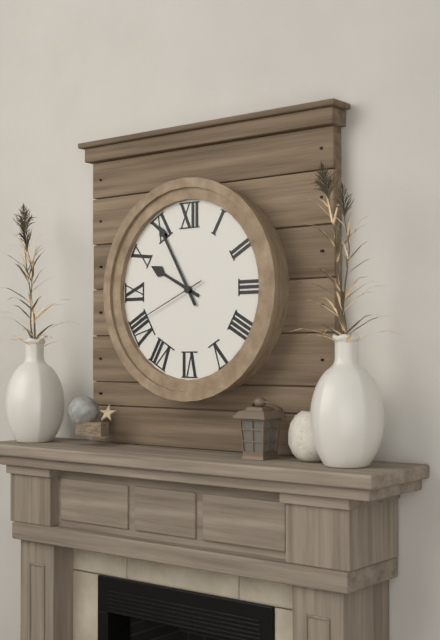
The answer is 9:55:41
